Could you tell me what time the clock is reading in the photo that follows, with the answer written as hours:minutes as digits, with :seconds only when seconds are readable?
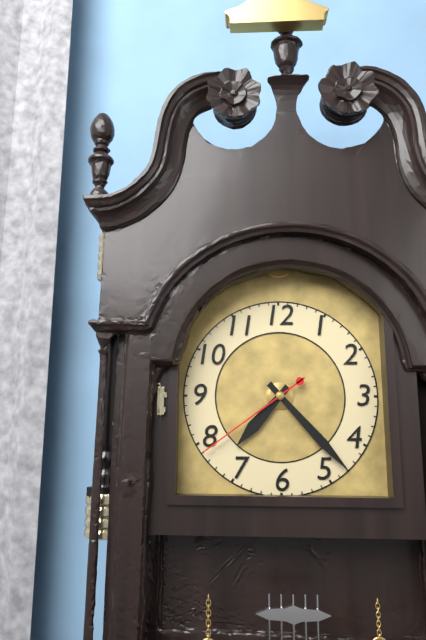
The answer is 7:23:39
